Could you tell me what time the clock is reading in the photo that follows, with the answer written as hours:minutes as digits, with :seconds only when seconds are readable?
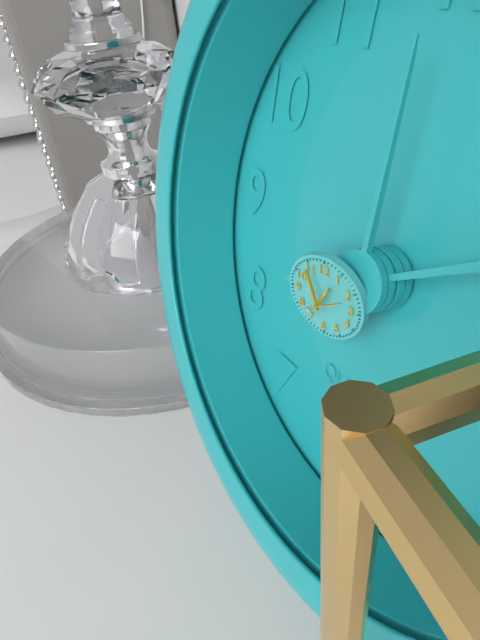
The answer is 12:57
